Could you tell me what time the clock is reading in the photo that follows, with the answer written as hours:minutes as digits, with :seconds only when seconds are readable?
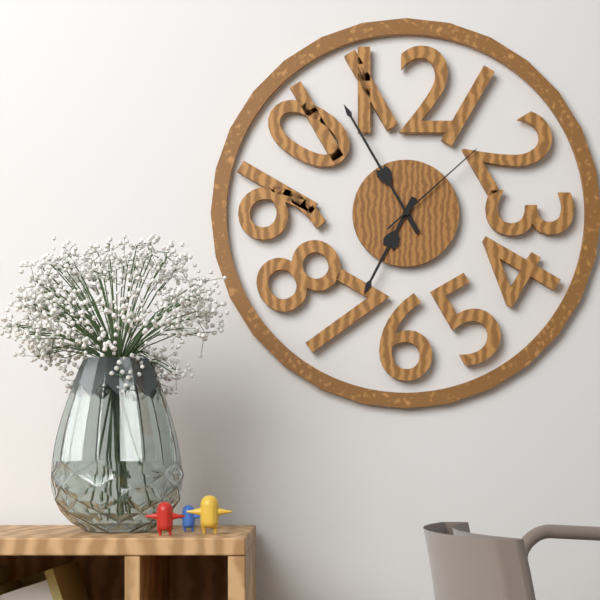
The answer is 6:55:08
